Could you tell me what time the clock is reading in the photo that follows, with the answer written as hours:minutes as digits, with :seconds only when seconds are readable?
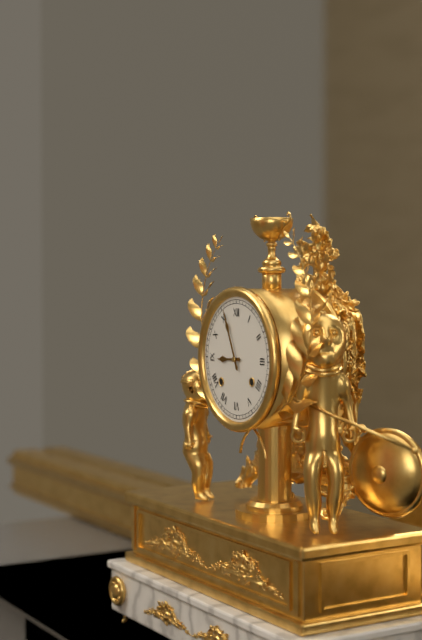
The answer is 8:56
